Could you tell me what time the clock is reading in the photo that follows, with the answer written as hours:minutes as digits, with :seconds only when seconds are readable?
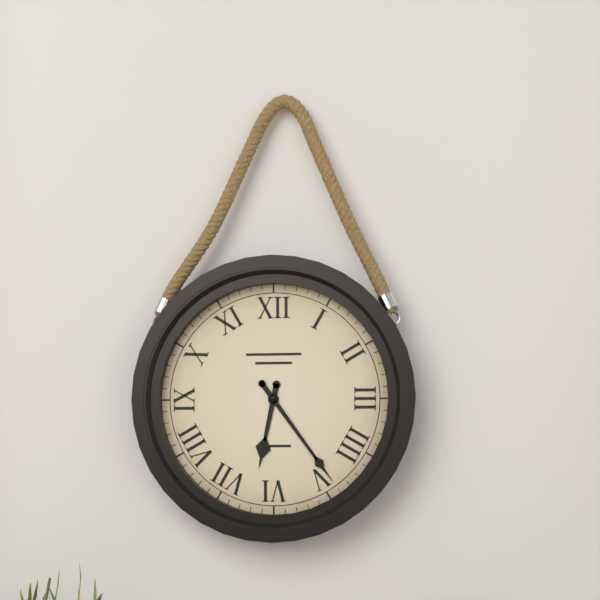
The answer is 6:24
